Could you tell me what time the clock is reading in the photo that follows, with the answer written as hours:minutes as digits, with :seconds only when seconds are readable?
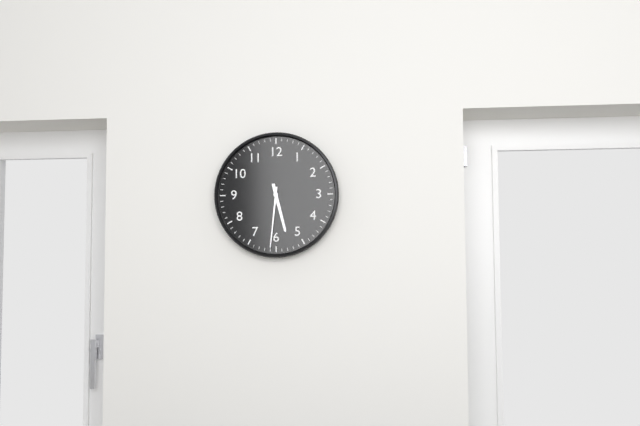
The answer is 5:31
